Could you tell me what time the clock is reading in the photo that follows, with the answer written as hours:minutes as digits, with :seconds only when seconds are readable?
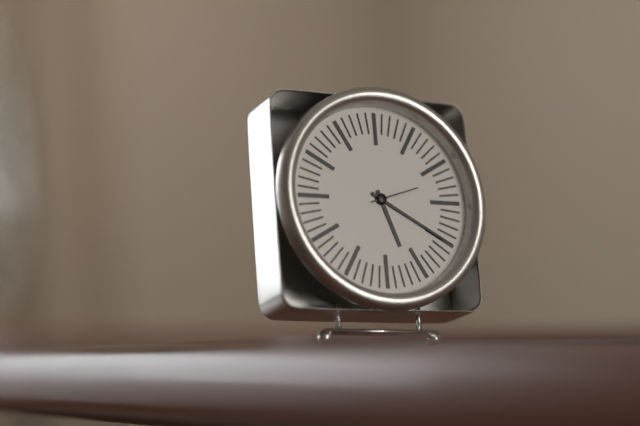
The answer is 5:20
